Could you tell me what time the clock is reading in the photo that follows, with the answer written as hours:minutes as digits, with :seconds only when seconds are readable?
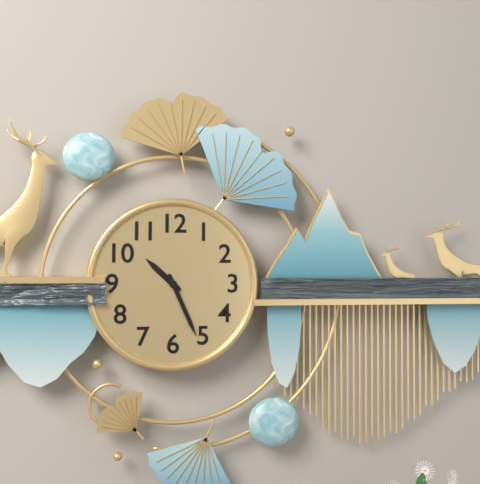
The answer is 10:26
